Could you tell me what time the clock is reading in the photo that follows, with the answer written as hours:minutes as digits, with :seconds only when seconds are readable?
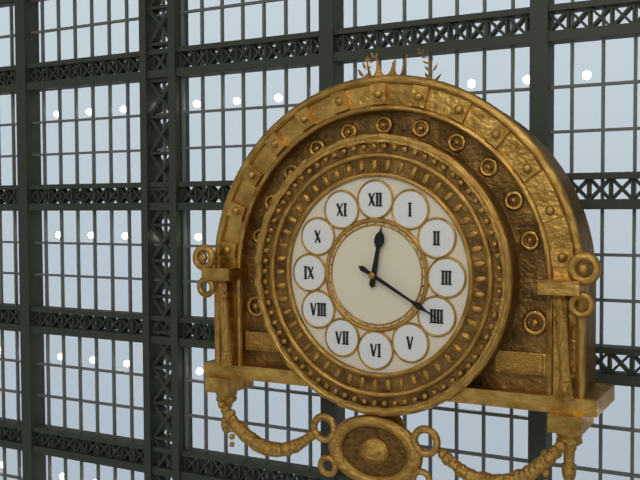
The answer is 12:20
